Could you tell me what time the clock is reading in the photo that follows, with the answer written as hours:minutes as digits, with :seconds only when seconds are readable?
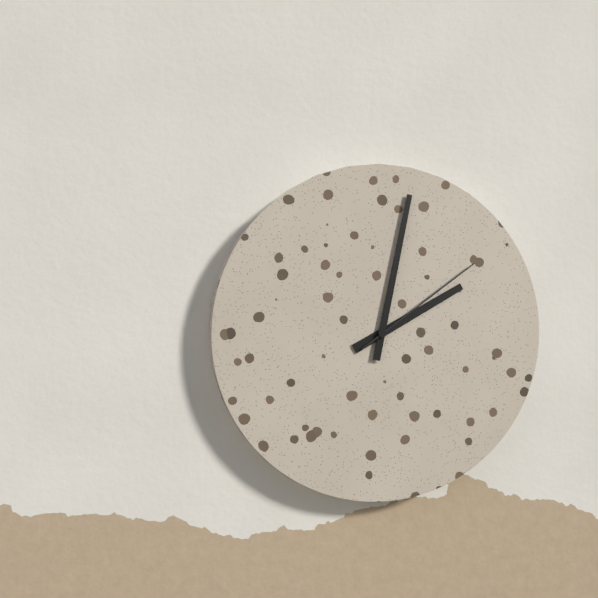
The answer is 2:02:09
